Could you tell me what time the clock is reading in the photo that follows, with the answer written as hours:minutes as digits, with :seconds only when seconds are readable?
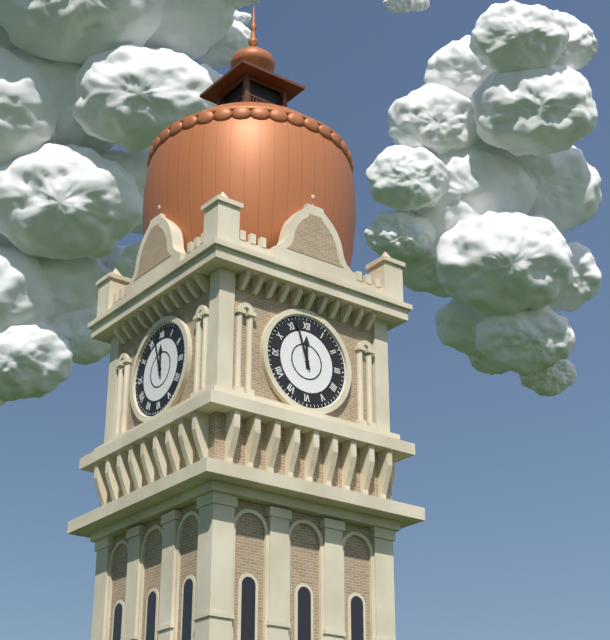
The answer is 11:57
